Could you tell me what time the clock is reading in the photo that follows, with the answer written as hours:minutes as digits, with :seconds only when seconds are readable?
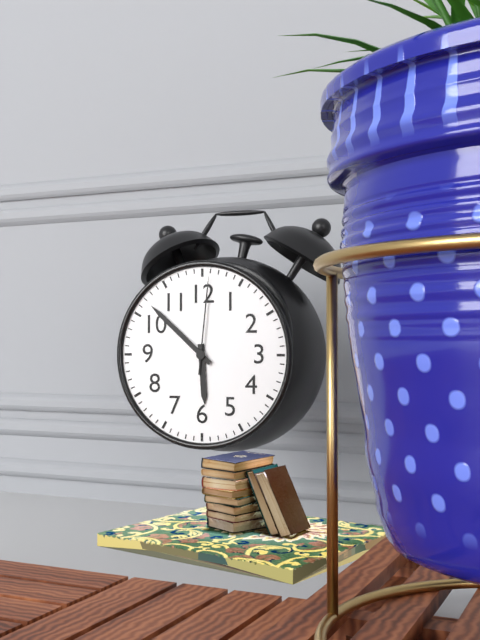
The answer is 5:52:01
